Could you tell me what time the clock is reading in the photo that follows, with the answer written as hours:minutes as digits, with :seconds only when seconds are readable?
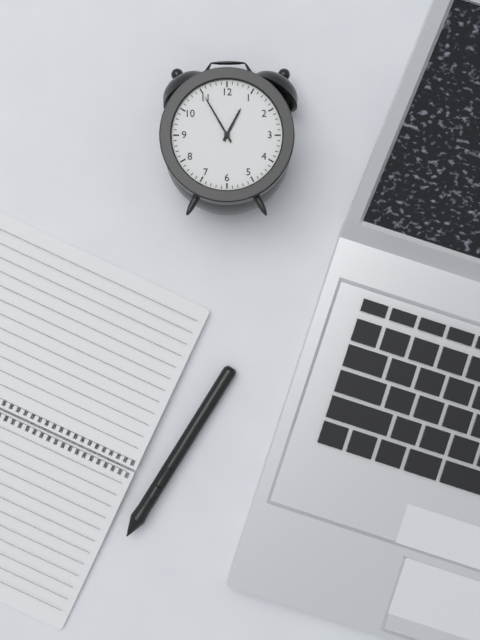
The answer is 12:55
